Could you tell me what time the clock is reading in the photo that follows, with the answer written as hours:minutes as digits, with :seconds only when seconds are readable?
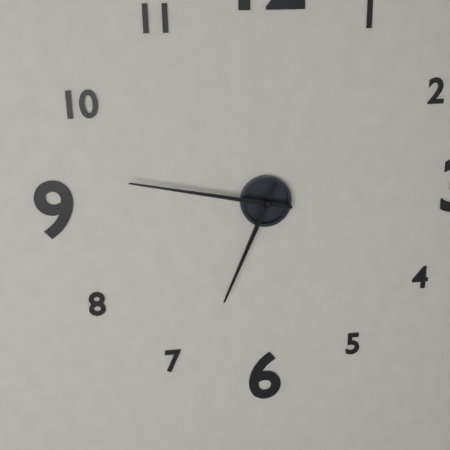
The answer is 6:47
